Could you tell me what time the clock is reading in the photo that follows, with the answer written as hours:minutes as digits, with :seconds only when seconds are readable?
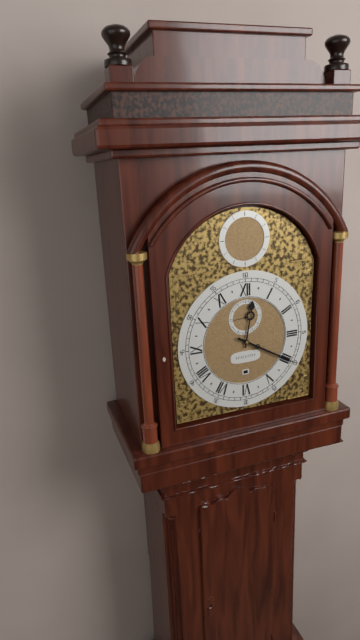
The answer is 12:20
